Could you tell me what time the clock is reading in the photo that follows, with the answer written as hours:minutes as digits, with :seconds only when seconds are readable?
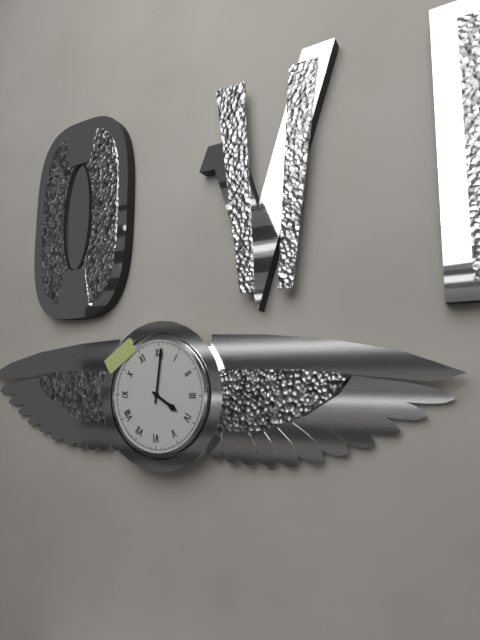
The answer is 4:01
